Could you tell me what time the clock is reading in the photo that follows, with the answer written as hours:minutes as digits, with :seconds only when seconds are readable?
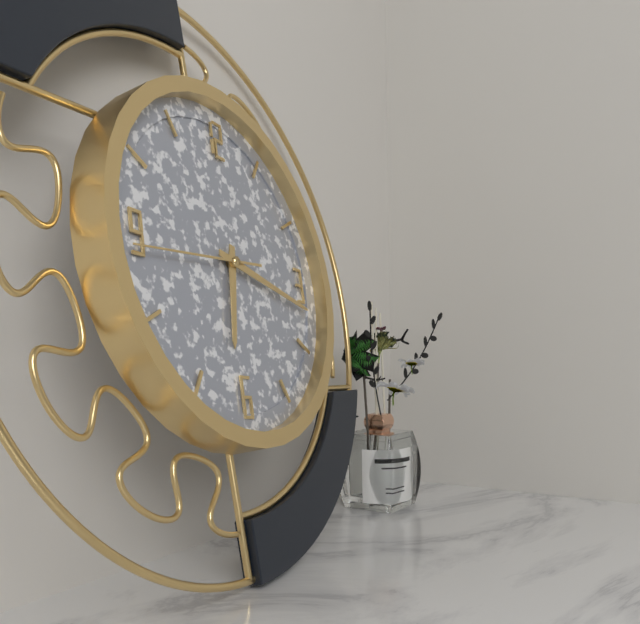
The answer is 6:17:44
